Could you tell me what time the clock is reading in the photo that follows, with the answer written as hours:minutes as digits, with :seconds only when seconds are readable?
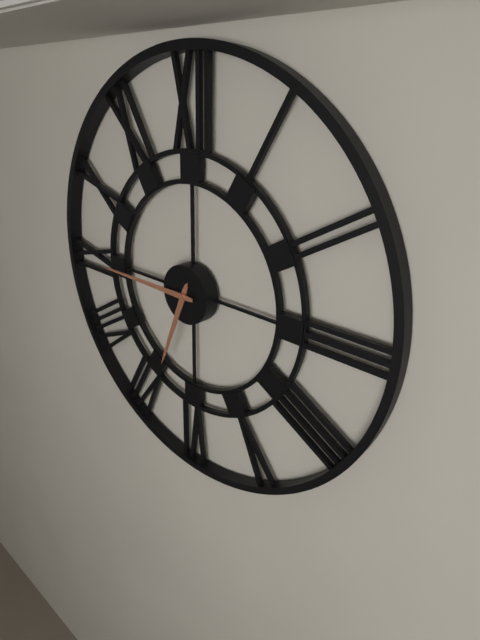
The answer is 6:45
